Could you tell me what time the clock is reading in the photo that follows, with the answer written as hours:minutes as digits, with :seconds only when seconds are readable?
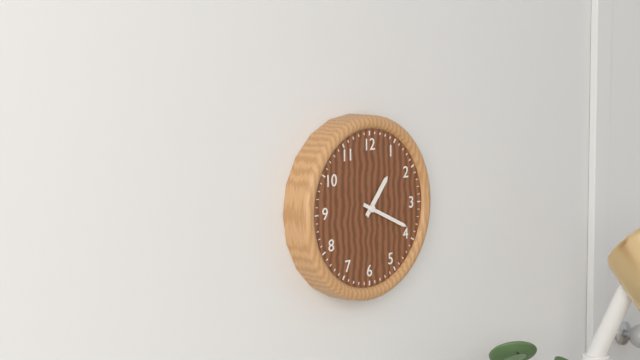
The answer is 1:19
